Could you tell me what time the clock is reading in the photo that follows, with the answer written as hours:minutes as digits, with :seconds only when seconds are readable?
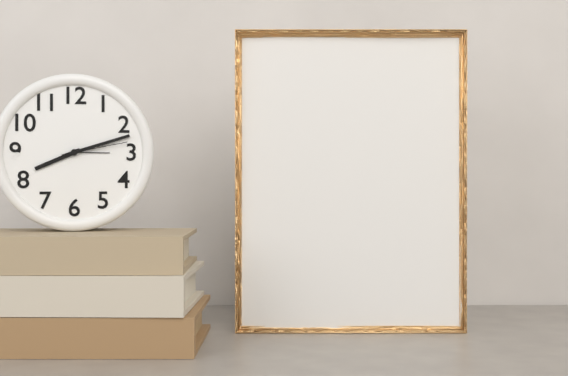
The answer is 8:12:13
